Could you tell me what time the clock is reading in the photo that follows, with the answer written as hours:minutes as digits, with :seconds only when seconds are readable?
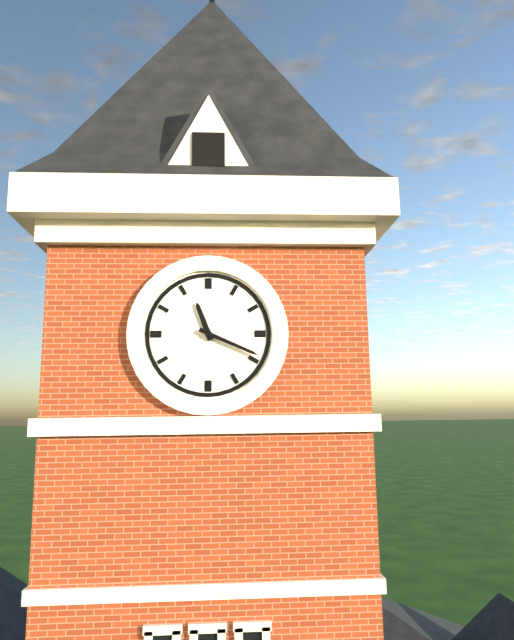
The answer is 11:19
